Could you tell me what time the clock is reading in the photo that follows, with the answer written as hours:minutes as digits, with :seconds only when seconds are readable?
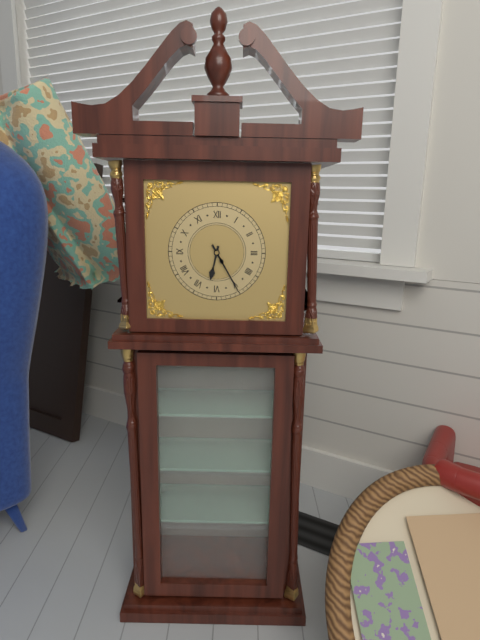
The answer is 6:25
